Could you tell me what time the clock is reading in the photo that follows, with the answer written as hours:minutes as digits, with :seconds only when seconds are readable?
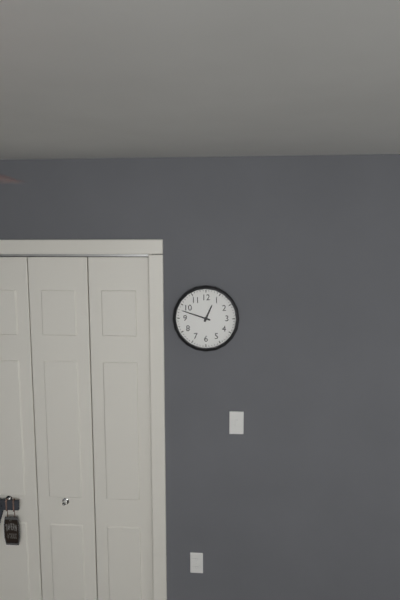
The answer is 12:48
